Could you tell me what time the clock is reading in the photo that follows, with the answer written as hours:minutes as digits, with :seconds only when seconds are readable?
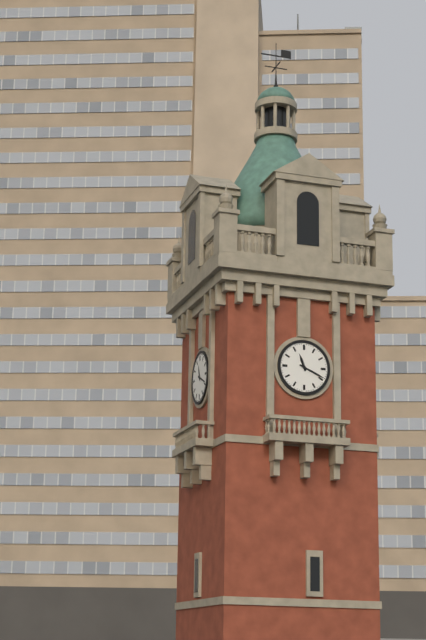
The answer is 11:19
